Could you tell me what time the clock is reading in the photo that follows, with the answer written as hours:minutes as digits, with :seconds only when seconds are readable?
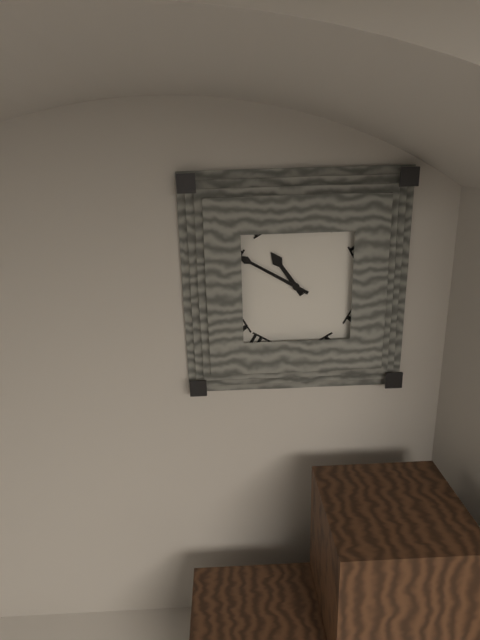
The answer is 10:50
